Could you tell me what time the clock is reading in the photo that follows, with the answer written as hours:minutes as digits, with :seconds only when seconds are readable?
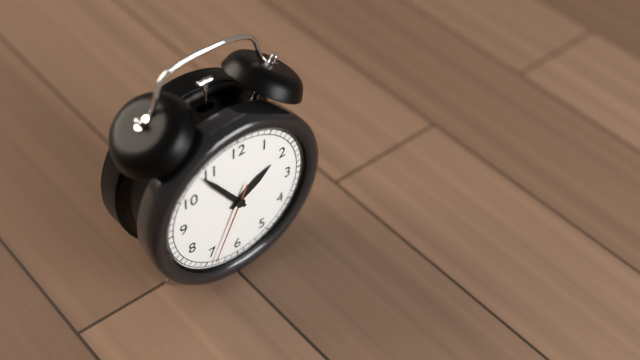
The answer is 1:54:34
